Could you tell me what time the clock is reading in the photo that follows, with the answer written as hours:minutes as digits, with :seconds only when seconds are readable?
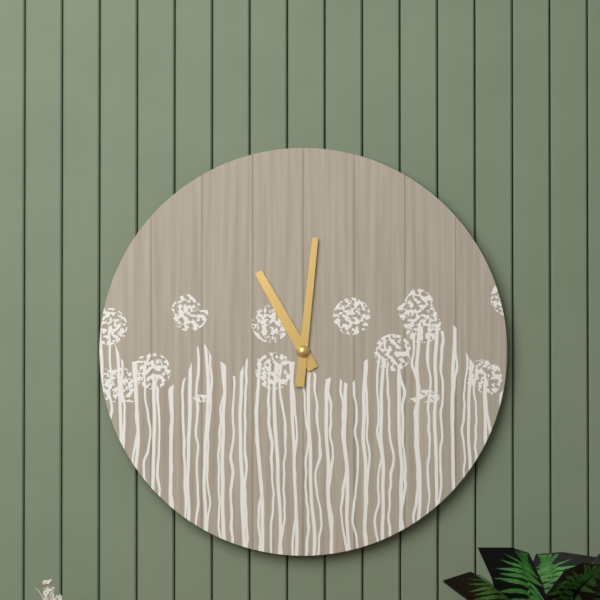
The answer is 11:01
